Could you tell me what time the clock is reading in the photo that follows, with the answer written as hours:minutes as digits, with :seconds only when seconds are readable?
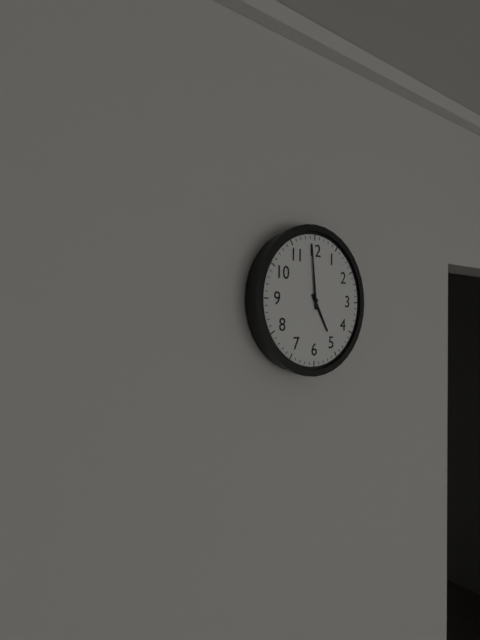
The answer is 4:59
